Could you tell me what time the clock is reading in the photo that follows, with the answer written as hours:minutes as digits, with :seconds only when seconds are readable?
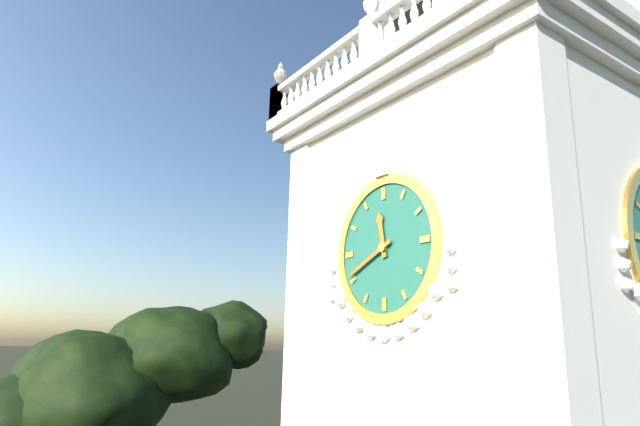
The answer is 11:41
